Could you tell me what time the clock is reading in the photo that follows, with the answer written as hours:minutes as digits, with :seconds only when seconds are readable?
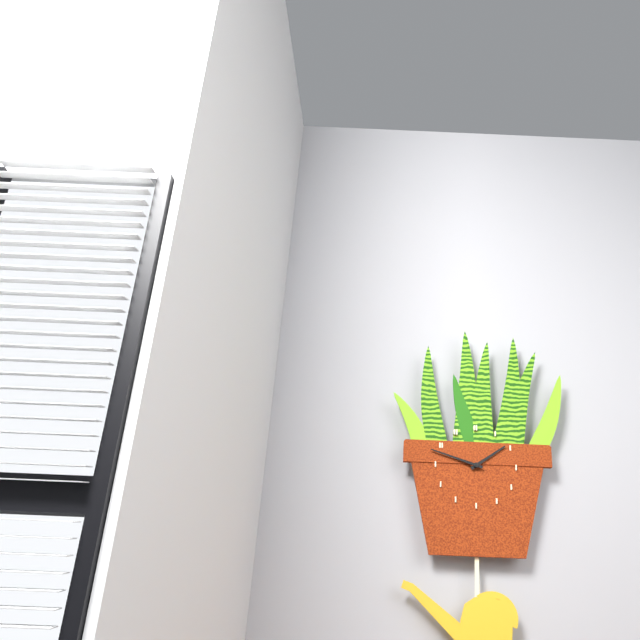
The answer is 1:48
